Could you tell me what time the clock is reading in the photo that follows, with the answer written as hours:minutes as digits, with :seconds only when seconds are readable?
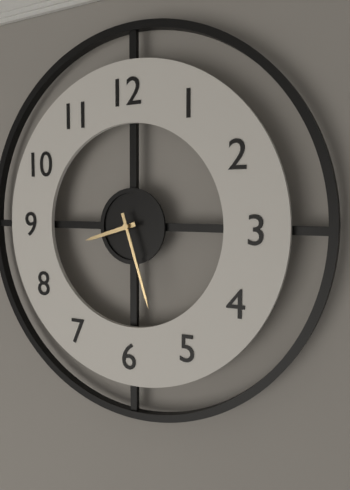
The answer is 8:27
